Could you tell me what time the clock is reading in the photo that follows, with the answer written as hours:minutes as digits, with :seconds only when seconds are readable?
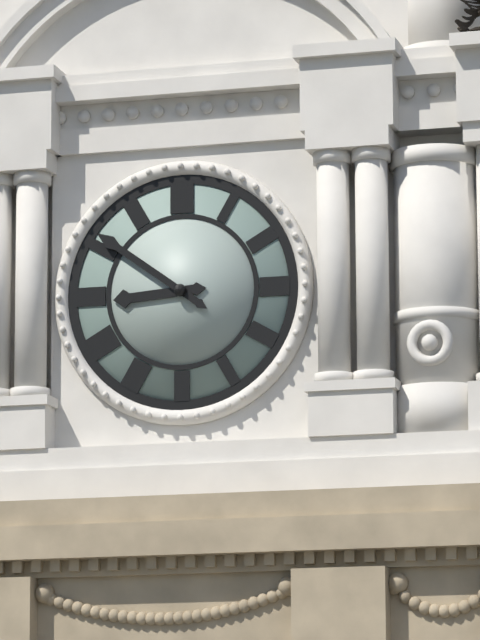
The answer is 8:51
